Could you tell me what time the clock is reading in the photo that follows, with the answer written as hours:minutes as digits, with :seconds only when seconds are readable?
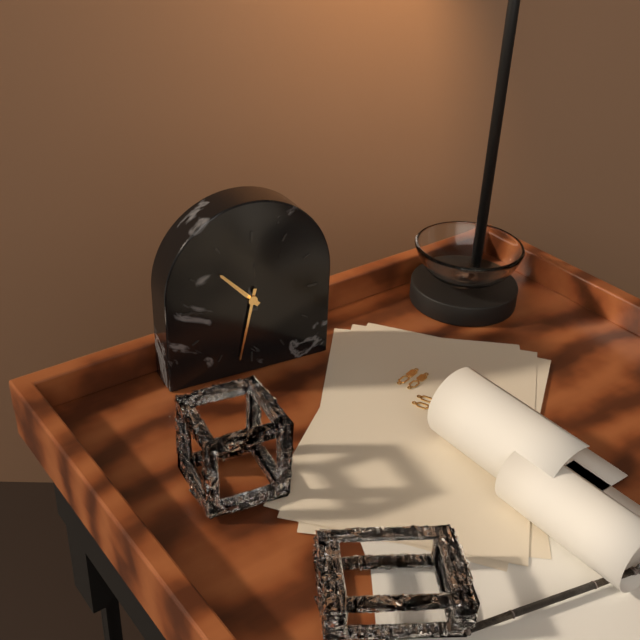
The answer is 10:32
